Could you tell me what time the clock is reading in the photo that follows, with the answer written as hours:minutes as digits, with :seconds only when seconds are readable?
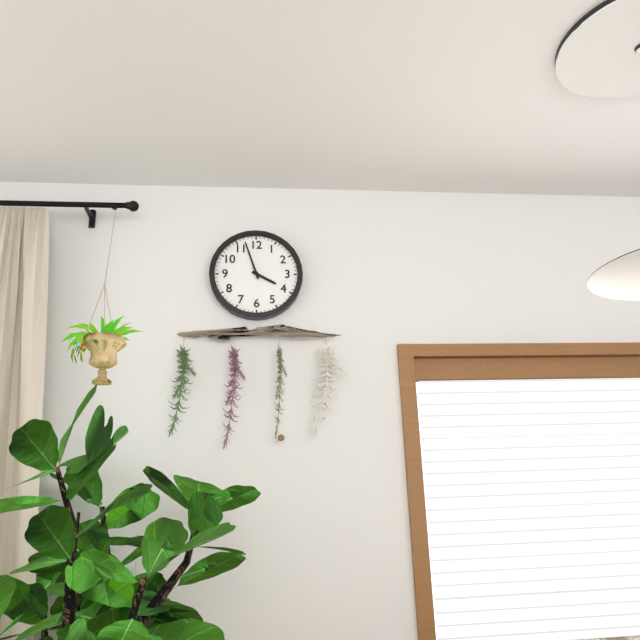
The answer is 3:57
